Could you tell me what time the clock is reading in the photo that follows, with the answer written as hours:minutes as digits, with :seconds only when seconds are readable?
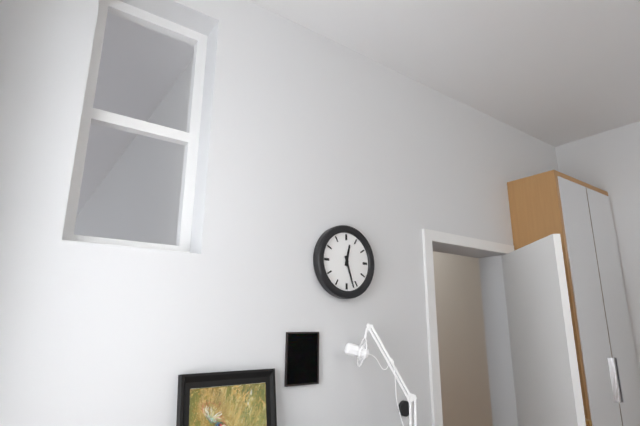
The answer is 12:27
